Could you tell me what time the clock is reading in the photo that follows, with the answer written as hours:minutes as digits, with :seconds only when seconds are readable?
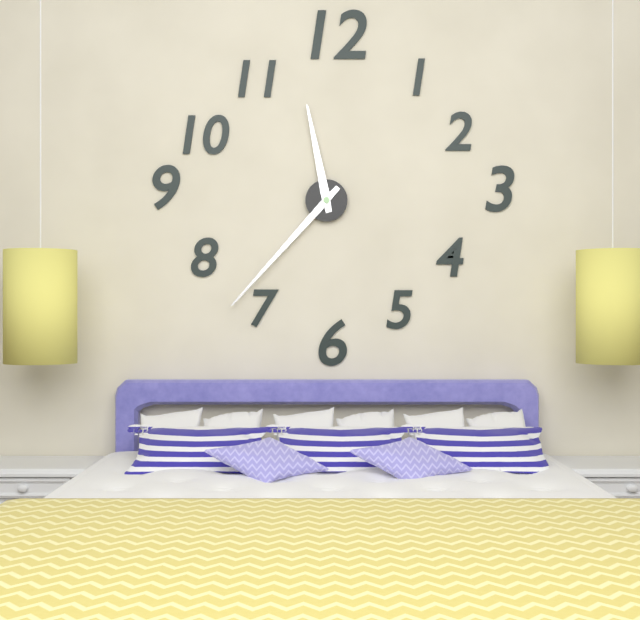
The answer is 11:37
